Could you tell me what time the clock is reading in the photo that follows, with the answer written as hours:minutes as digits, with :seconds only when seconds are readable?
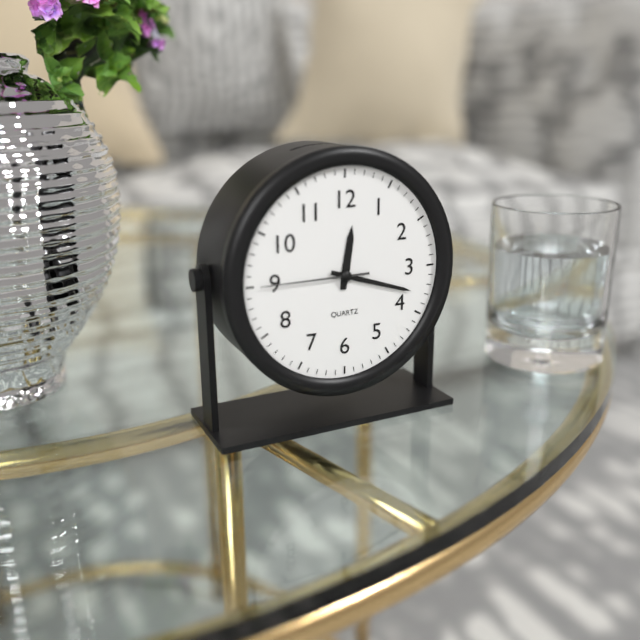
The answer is 12:18:45
